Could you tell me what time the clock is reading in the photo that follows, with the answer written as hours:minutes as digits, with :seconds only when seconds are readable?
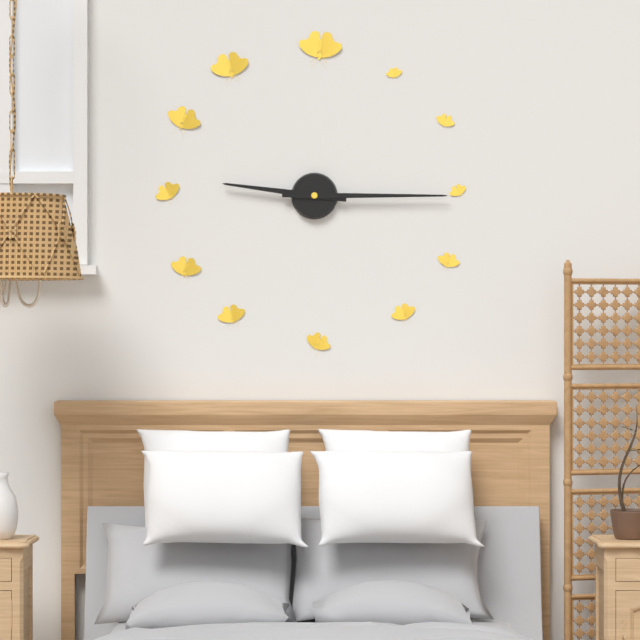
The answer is 9:15
